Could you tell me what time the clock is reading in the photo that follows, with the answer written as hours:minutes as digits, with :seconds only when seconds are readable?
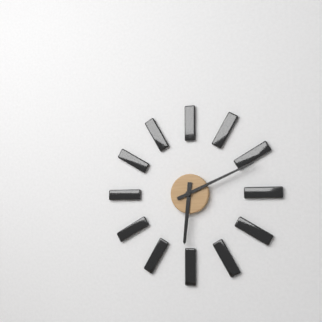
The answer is 6:11
